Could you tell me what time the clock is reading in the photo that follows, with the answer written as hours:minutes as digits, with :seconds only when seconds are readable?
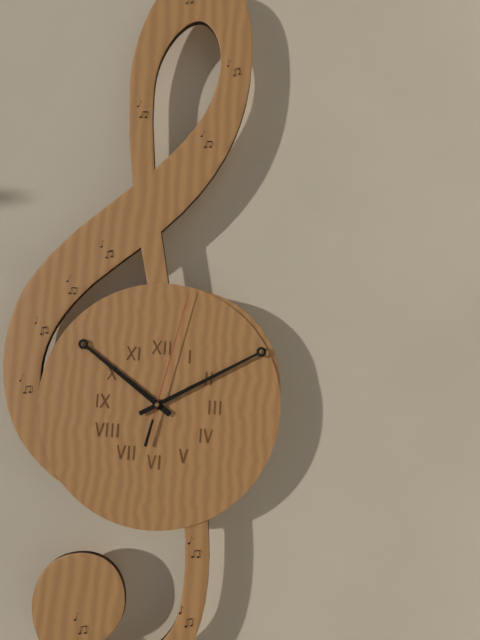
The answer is 10:10:02
